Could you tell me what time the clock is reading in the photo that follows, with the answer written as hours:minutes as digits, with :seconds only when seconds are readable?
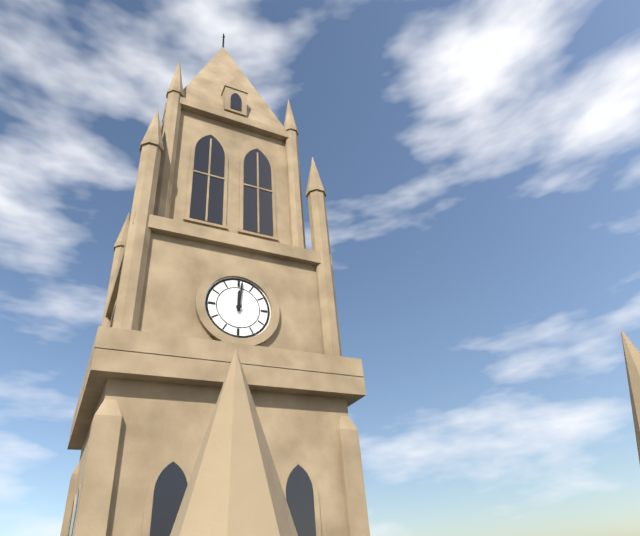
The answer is 12:01
